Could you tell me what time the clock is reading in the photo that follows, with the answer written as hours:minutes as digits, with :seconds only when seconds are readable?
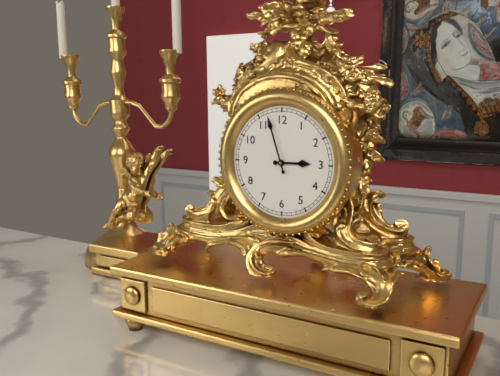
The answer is 2:57
